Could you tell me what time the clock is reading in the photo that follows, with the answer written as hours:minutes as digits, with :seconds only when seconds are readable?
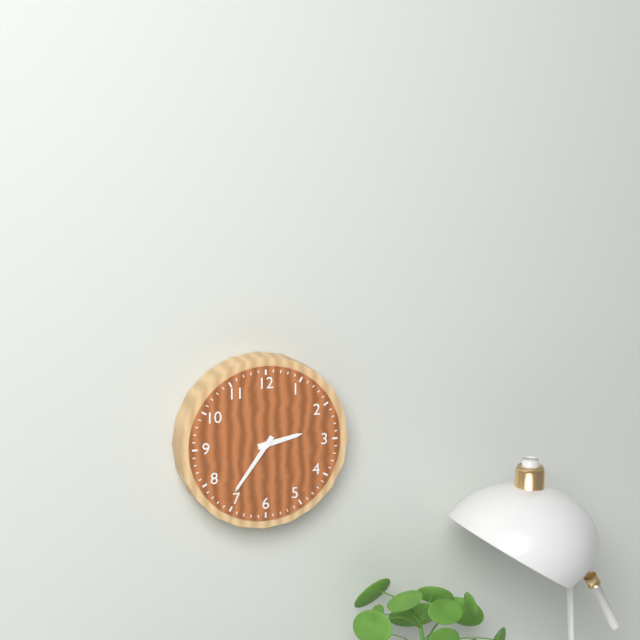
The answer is 2:36
